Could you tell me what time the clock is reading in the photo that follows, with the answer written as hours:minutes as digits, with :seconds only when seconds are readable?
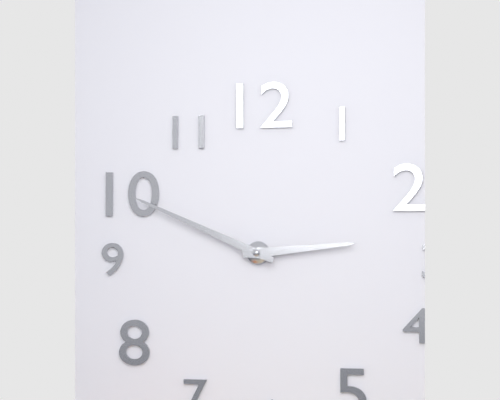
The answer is 2:49
